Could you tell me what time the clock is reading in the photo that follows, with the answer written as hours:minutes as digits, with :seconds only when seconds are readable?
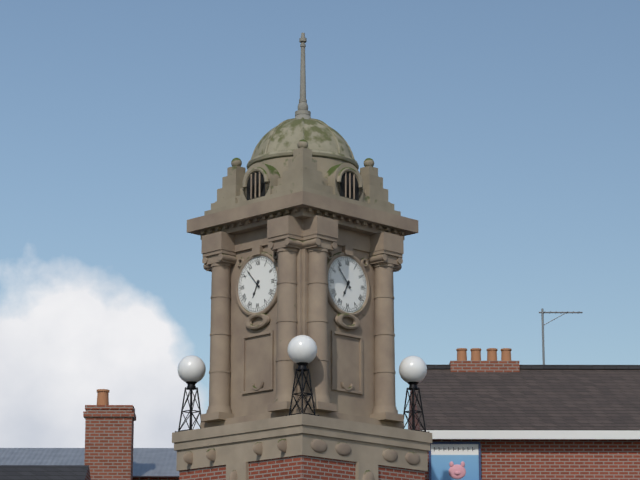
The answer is 6:53
